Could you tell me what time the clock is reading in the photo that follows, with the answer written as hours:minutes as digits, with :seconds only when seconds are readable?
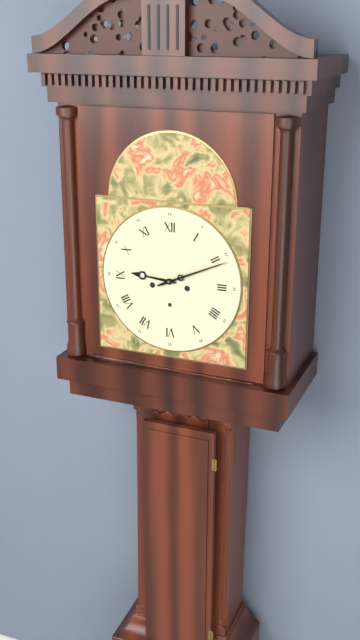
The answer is 9:11
